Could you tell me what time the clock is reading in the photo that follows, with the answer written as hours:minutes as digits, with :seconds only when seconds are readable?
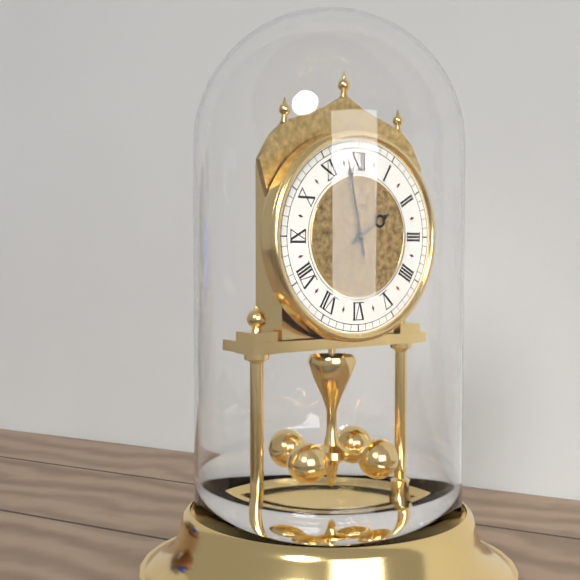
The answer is 1:58
